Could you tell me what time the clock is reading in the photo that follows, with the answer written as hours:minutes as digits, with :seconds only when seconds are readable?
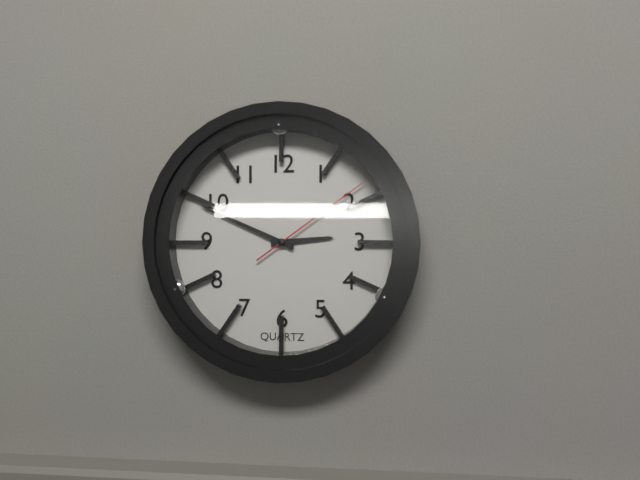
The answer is 2:49:09
